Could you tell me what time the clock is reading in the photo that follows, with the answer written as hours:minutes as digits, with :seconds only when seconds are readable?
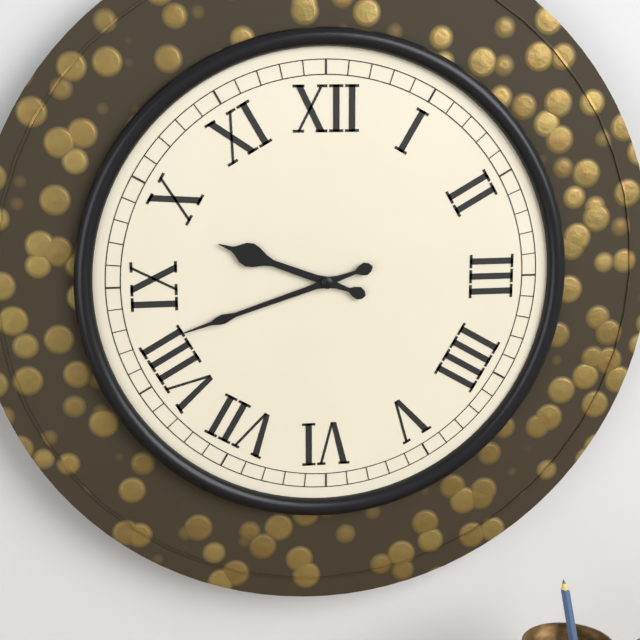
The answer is 9:42
